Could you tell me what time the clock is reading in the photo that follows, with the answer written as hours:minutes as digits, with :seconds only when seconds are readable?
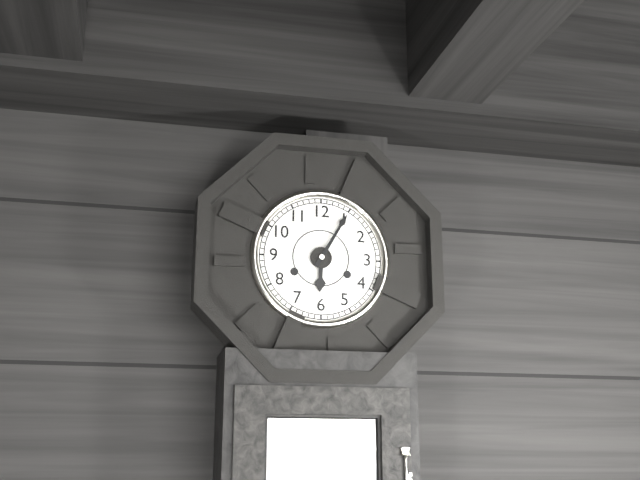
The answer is 6:05
